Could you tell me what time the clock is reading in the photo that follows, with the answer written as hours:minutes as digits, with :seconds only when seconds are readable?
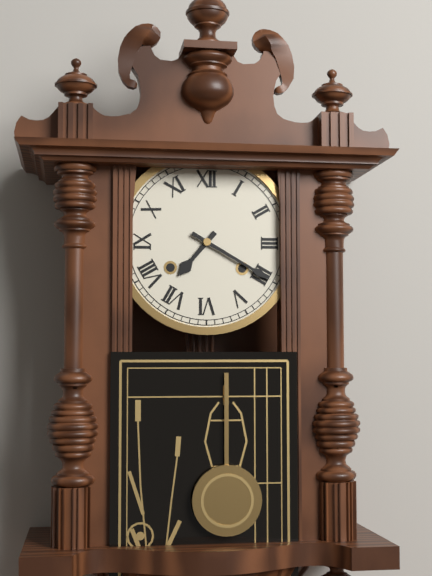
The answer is 7:20
